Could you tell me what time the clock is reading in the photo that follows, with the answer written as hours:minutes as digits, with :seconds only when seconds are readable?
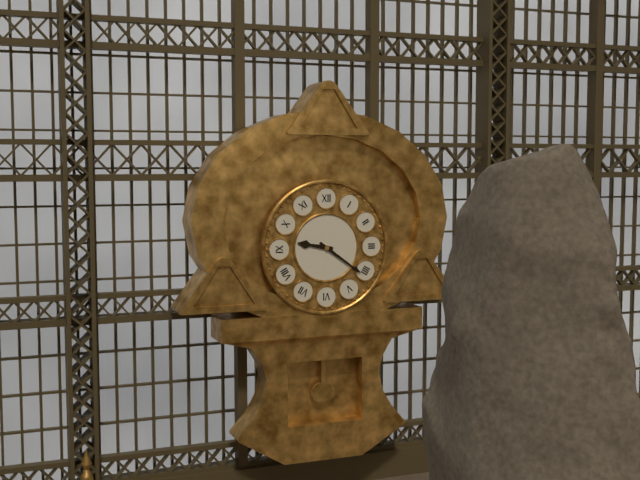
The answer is 9:21
